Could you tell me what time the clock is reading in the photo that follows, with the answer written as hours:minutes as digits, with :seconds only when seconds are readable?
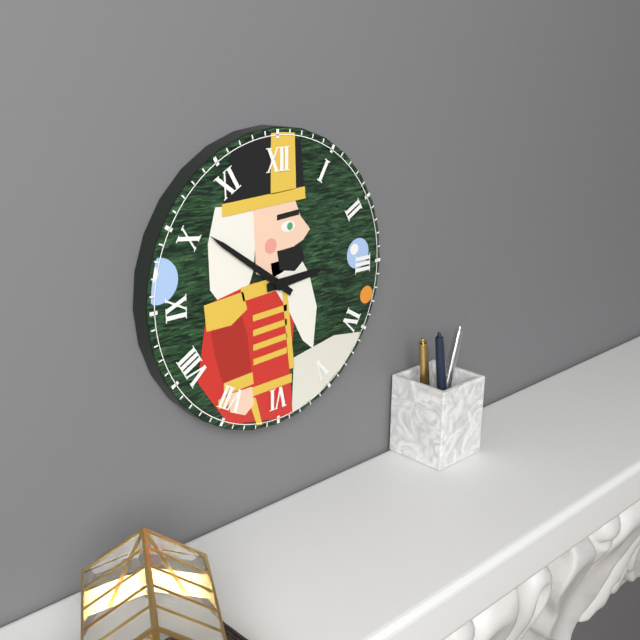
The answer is 2:51
